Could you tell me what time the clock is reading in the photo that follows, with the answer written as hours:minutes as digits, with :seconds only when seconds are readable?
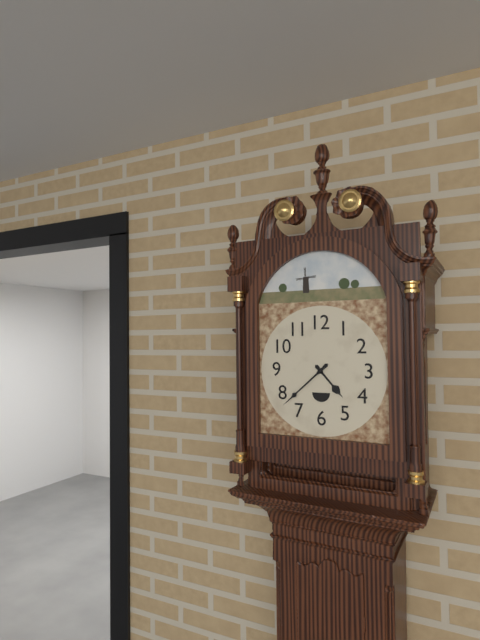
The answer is 4:38
